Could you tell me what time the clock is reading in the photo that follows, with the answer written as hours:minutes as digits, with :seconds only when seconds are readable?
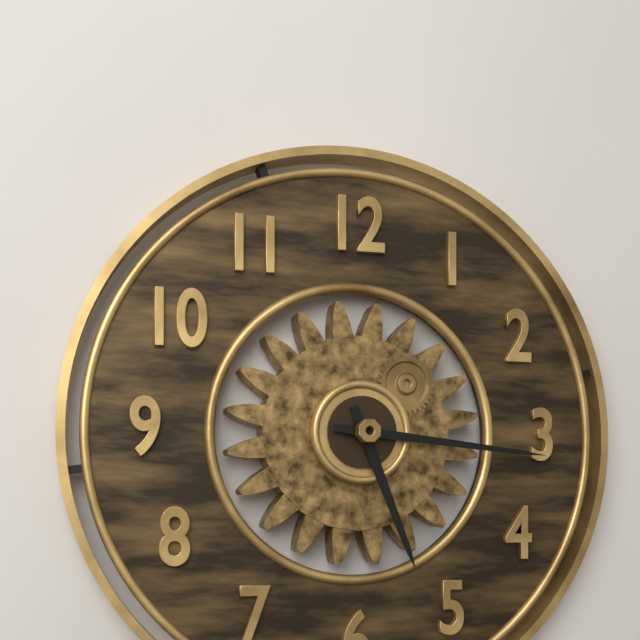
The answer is 5:16
